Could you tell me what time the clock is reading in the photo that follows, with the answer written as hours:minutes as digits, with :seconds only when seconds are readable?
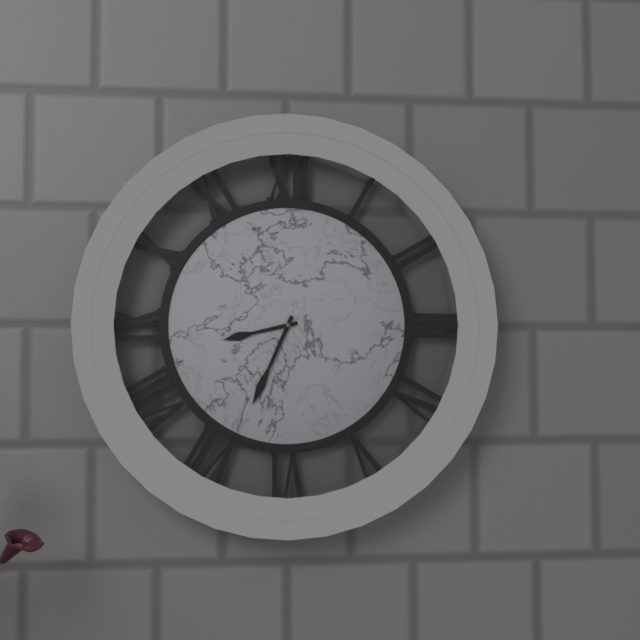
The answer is 8:34
